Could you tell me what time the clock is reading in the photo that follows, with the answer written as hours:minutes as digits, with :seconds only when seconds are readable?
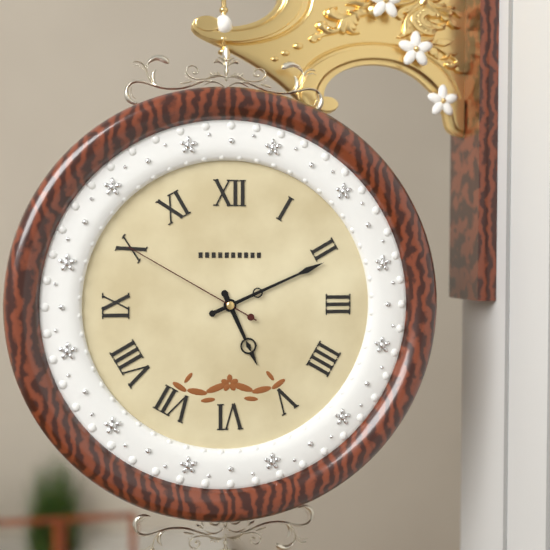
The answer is 5:11:50
